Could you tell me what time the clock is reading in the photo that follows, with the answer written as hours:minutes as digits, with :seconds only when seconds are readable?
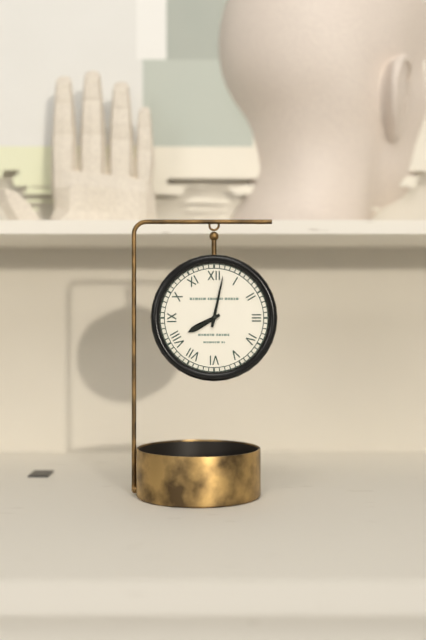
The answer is 8:02
